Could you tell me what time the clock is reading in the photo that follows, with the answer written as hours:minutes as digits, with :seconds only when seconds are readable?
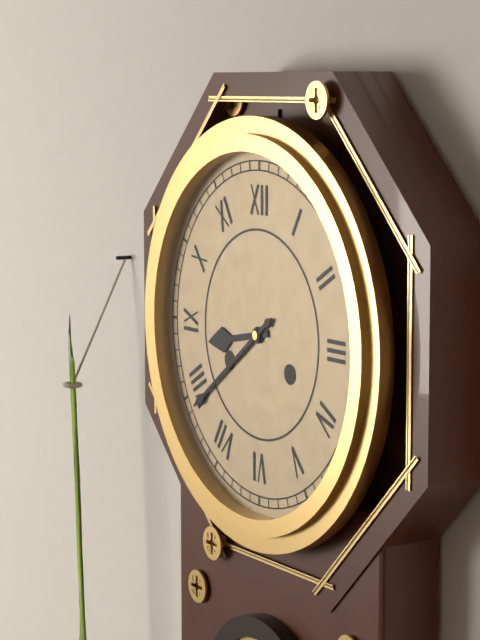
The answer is 8:39
